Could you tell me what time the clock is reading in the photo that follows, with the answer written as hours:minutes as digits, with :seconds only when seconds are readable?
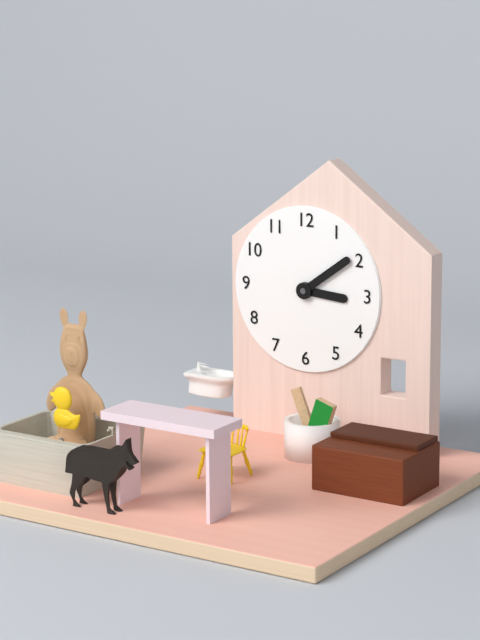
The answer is 3:09
